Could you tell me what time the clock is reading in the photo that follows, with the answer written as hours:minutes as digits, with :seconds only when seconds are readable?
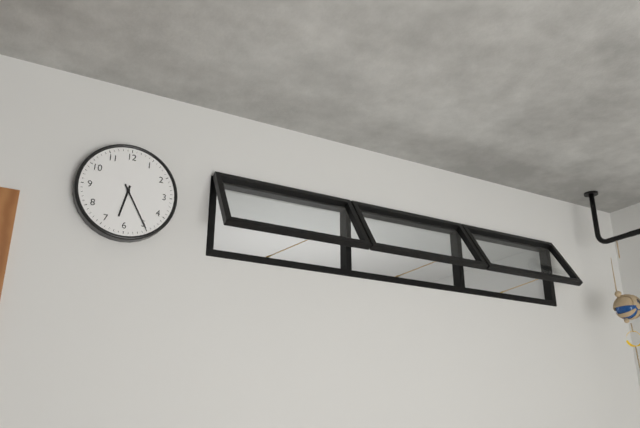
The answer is 6:25
